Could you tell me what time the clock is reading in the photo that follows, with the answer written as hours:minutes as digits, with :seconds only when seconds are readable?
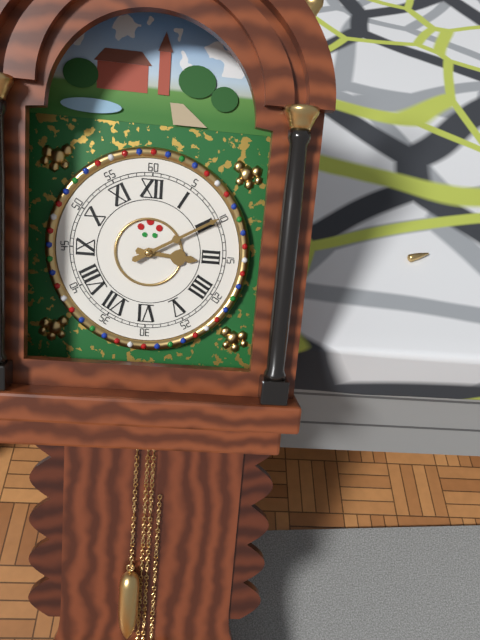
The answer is 3:10
